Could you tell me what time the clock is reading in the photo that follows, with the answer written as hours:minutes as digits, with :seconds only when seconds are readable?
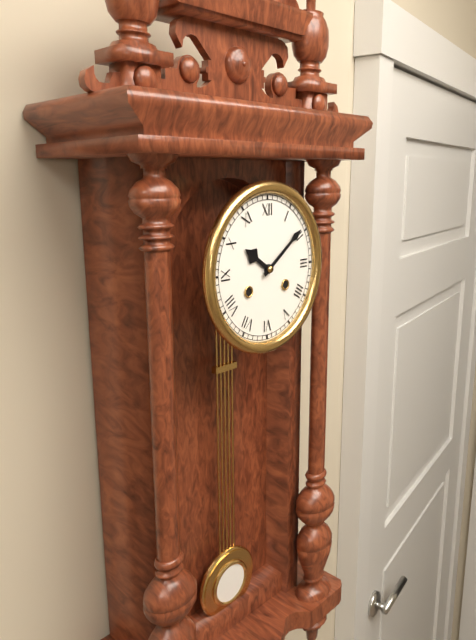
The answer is 10:09
